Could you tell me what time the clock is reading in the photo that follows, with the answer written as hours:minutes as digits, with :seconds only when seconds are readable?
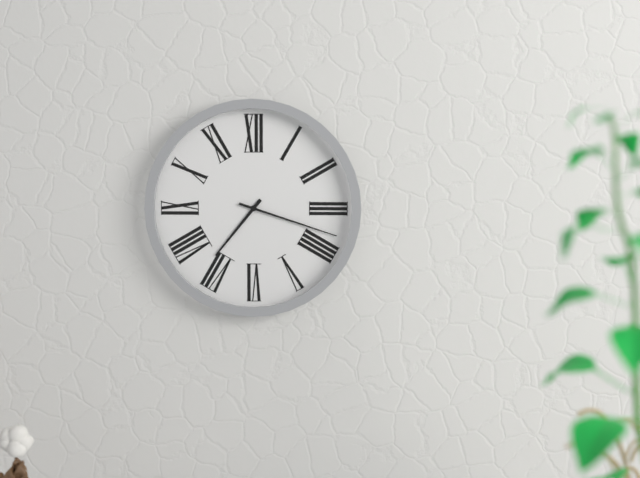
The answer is 7:18
